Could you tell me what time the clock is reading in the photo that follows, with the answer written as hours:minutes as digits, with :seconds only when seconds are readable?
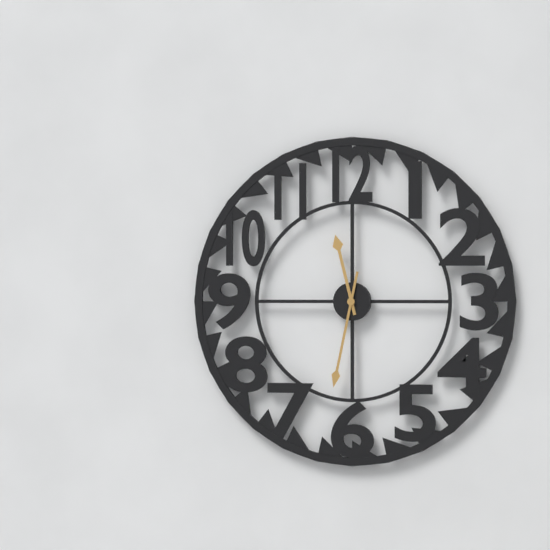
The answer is 11:32
